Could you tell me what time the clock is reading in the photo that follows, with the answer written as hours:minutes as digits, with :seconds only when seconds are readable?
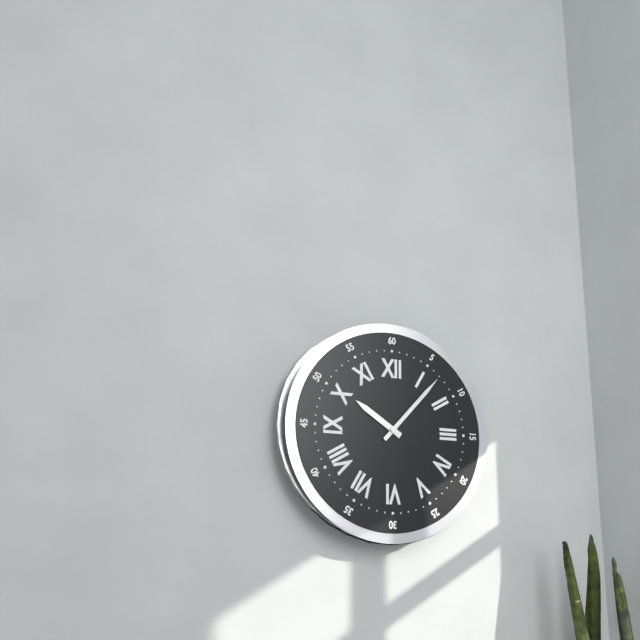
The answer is 10:07
